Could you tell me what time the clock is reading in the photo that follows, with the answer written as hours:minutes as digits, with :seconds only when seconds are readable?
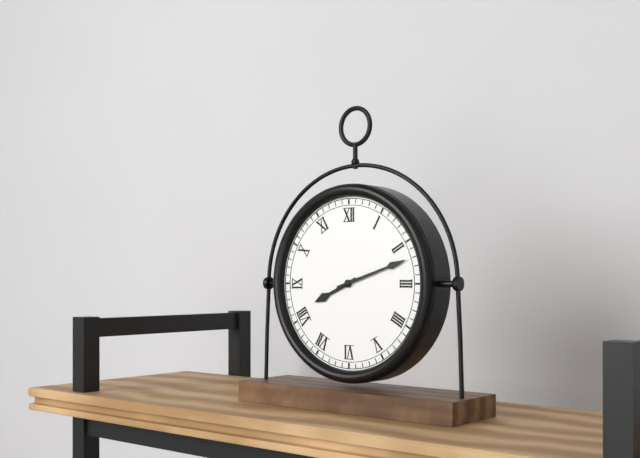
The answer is 8:12
